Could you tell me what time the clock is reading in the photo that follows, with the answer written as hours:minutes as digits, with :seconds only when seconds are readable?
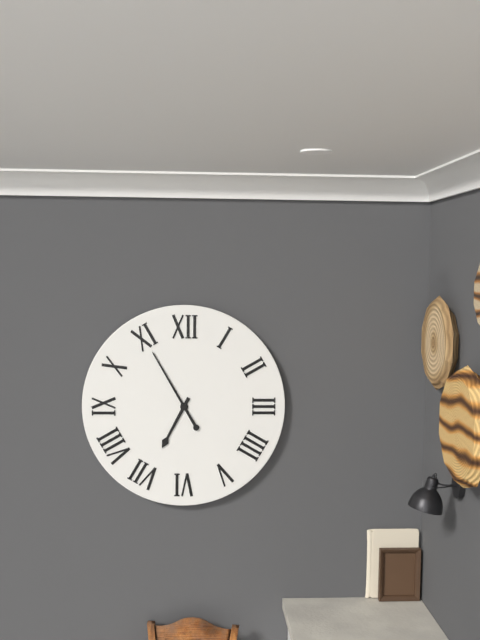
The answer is 6:55
